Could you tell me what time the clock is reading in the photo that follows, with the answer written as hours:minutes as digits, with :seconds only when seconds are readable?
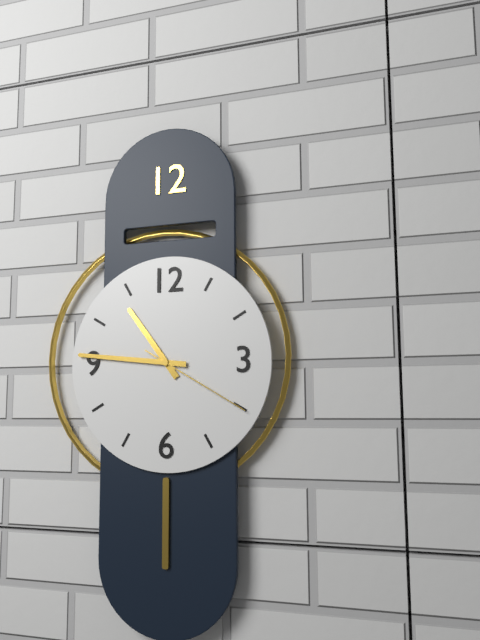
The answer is 10:46:20
